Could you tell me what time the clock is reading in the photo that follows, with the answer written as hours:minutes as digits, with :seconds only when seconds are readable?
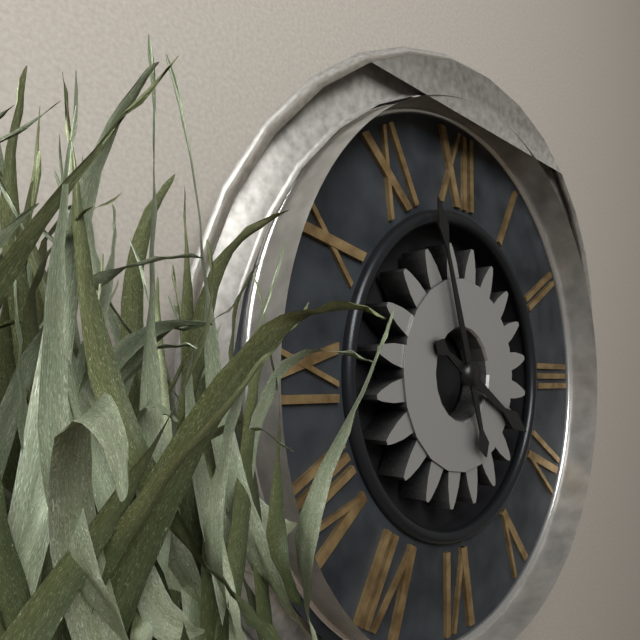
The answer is 3:57
